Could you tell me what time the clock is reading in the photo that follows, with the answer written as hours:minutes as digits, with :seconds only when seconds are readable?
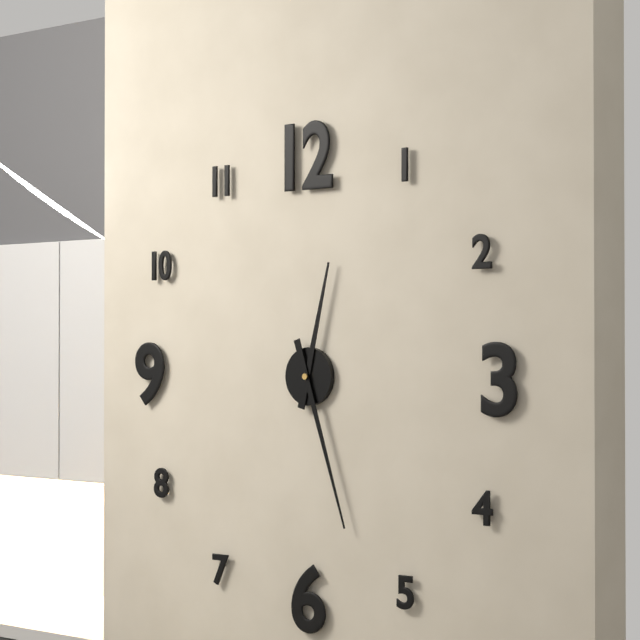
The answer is 12:27
